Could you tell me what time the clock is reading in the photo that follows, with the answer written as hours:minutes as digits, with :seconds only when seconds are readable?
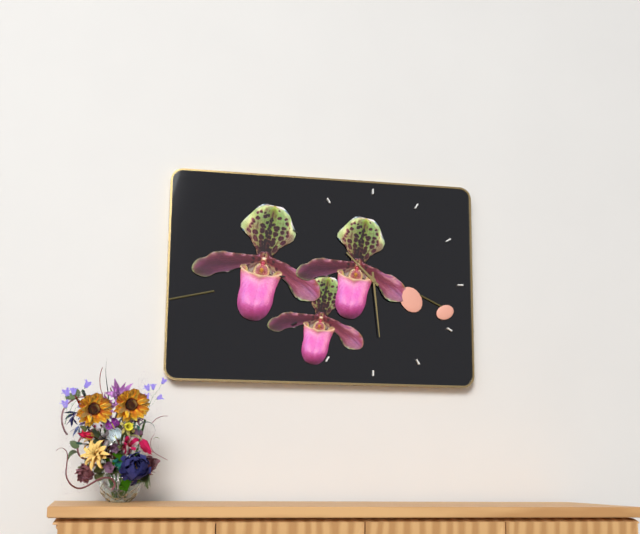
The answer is 10:29
